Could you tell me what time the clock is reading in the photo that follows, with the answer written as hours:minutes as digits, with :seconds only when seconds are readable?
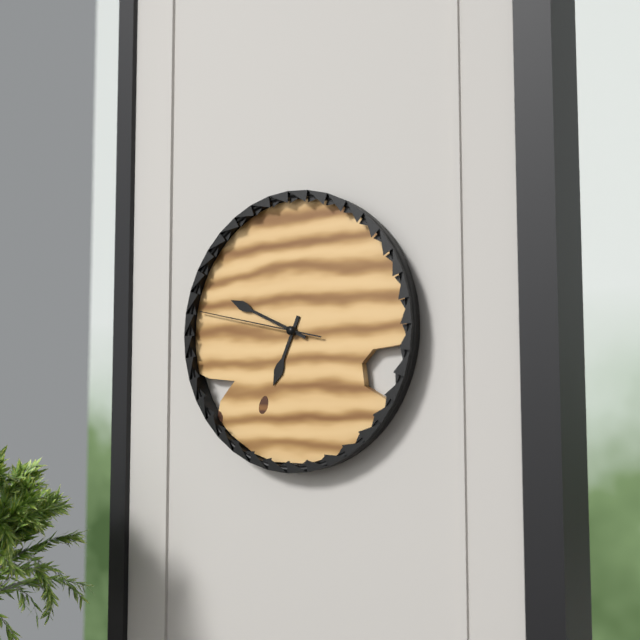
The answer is 6:49:47
